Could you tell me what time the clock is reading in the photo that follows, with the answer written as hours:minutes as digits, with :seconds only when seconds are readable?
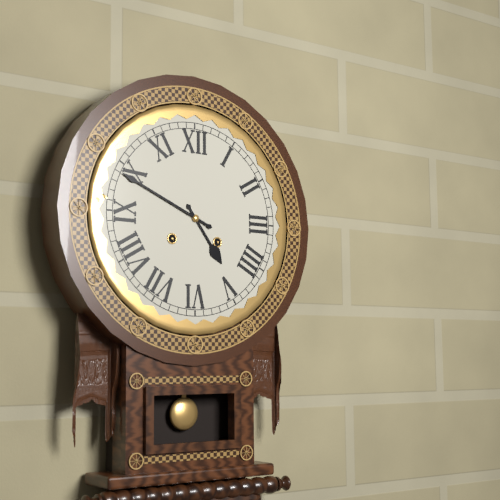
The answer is 4:49
